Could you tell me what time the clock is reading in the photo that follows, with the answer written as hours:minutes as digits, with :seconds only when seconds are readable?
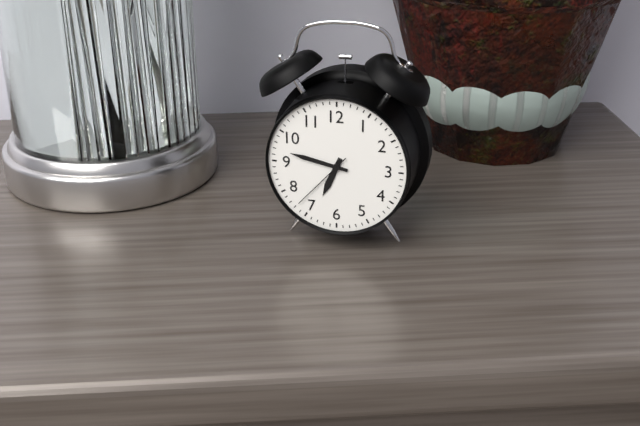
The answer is 6:47:37
